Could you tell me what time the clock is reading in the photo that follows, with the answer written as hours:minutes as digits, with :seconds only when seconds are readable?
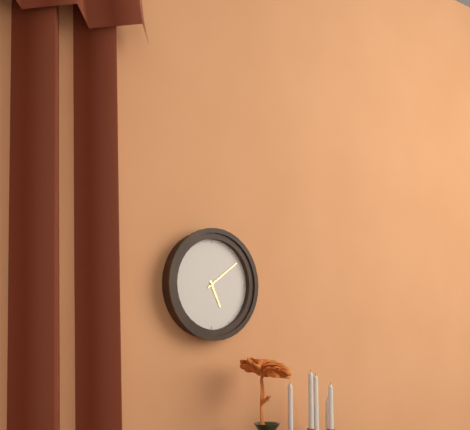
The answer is 5:09
